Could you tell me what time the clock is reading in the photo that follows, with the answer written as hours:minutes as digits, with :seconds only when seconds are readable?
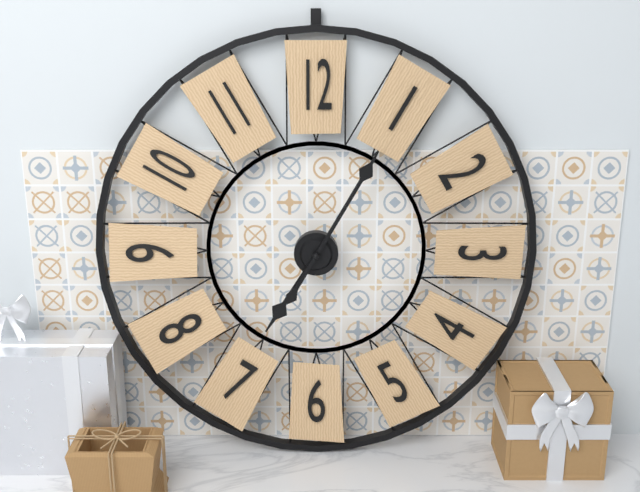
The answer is 7:05
